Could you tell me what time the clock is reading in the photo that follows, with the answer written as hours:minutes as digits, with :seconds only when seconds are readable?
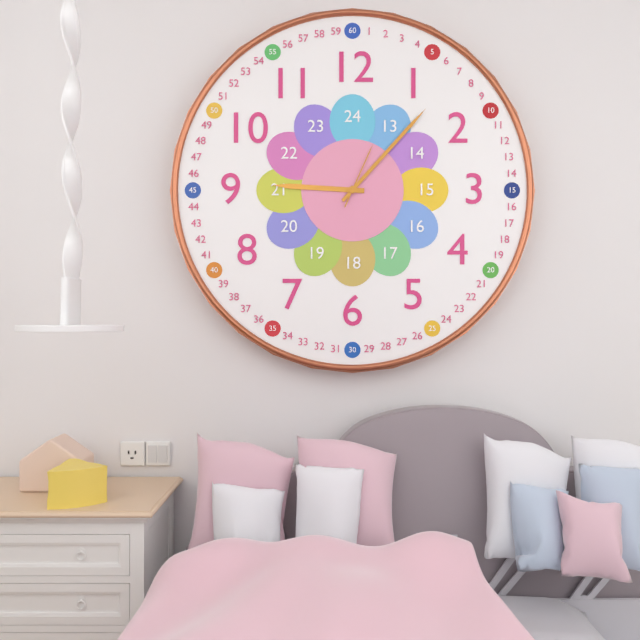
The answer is 9:07:04
